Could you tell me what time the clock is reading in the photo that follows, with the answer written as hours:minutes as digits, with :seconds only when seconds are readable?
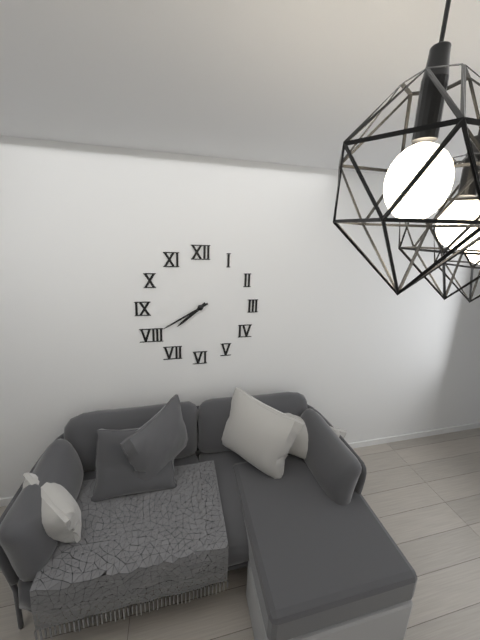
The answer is 7:40
